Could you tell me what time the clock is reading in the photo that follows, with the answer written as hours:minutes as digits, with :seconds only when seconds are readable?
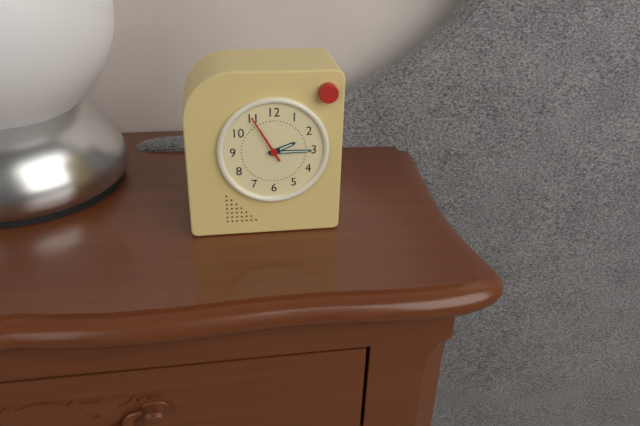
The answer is 2:15:55
